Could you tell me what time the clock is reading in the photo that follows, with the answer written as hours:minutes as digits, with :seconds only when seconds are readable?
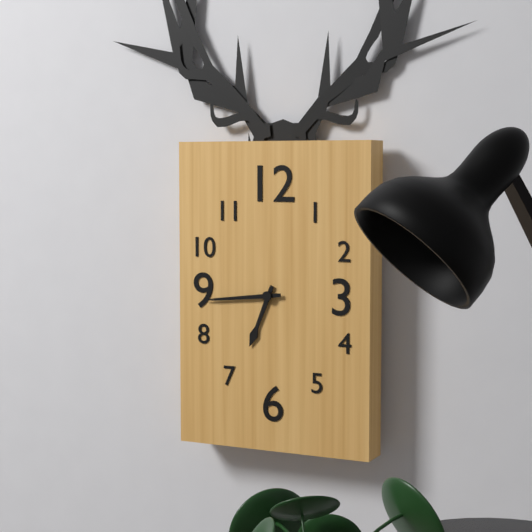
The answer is 6:44
